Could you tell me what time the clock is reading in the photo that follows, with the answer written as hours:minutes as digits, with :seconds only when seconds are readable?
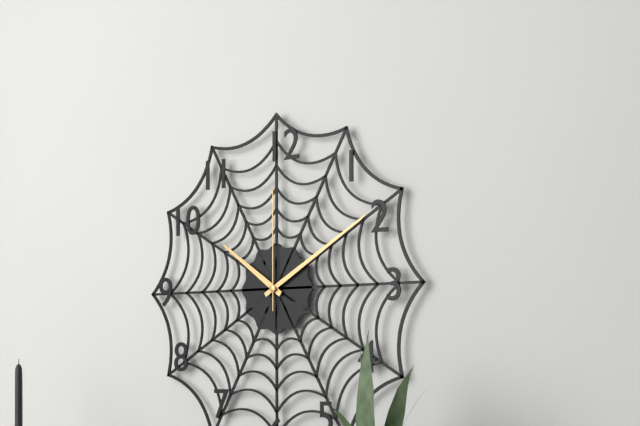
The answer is 10:10:00
